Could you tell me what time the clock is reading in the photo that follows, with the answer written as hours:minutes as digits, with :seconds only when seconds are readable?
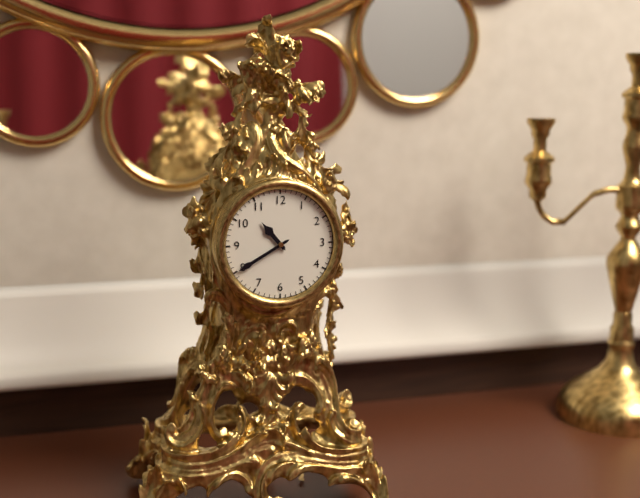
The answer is 10:40
